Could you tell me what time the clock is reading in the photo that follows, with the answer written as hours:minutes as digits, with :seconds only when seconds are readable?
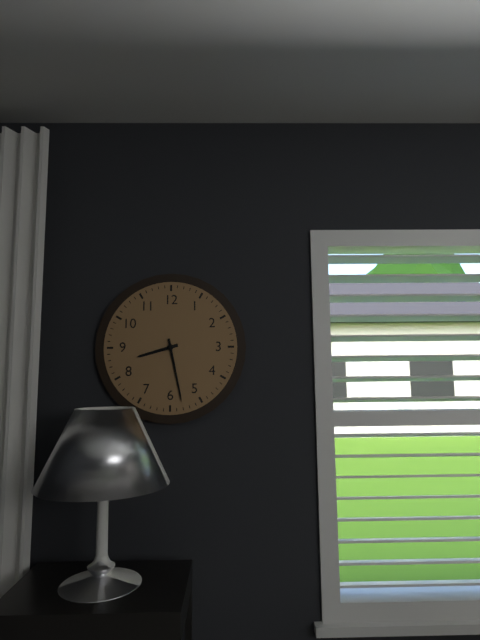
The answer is 8:28
